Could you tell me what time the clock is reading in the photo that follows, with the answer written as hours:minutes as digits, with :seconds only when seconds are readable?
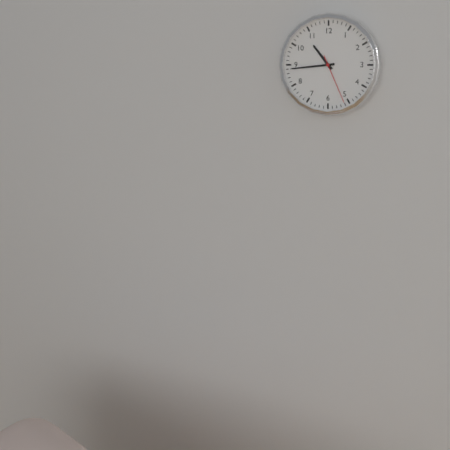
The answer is 10:44:26
